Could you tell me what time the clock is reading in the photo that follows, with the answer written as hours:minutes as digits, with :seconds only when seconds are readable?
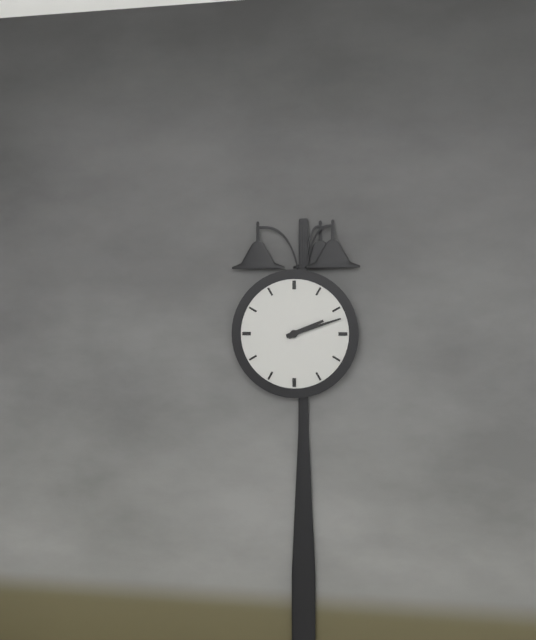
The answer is 2:12
